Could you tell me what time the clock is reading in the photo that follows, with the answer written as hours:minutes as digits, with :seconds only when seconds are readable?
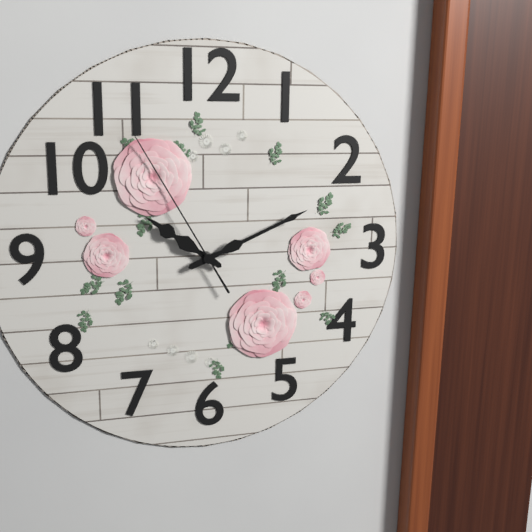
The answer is 10:11:55
